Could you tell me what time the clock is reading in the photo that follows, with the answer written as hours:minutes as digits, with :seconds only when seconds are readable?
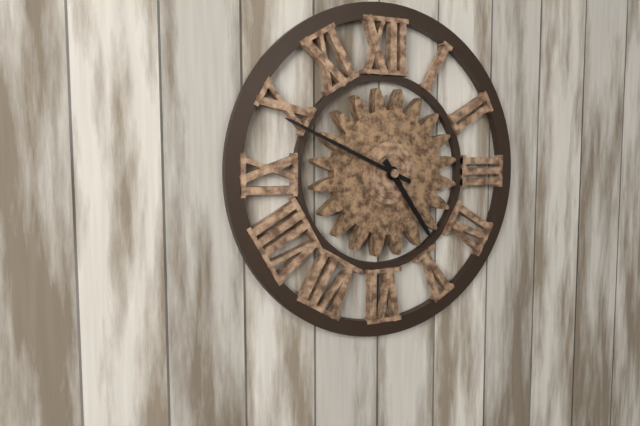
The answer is 4:49
